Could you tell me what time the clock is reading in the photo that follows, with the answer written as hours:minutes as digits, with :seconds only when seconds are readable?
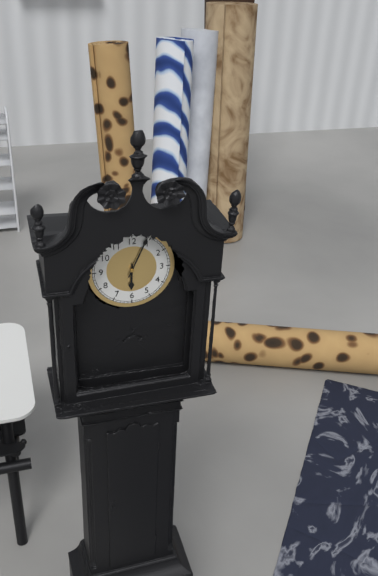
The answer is 6:04
